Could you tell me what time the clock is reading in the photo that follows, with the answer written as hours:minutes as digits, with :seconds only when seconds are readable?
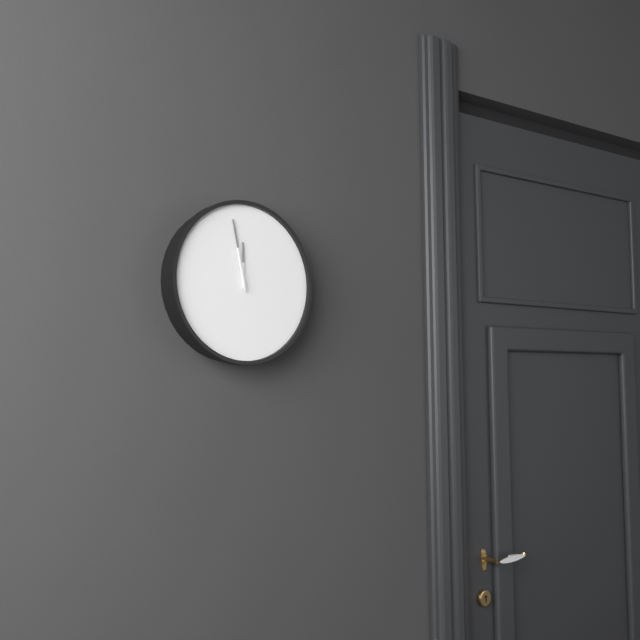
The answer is 11:58
